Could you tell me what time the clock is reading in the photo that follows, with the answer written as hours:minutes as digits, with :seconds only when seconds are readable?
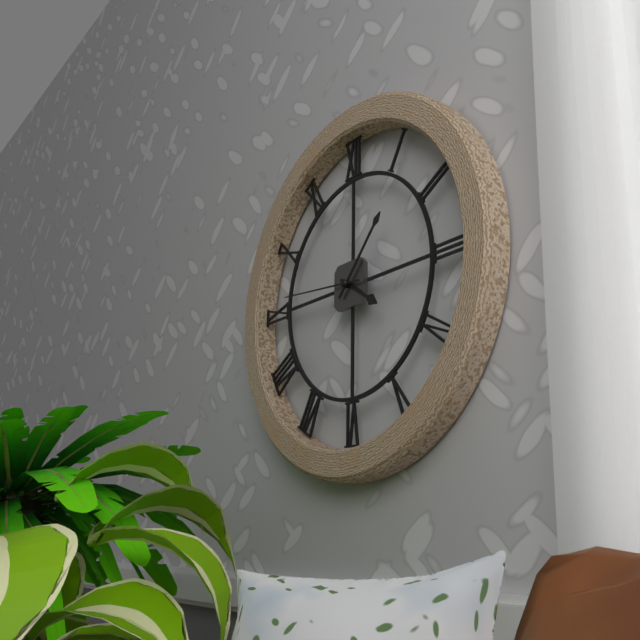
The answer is 4:07:46
